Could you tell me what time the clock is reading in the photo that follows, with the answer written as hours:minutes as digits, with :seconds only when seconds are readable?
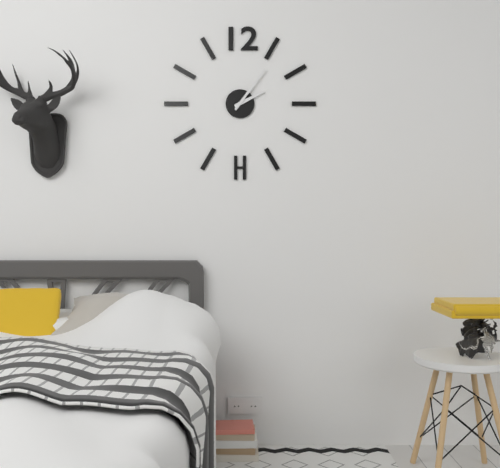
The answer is 2:06
